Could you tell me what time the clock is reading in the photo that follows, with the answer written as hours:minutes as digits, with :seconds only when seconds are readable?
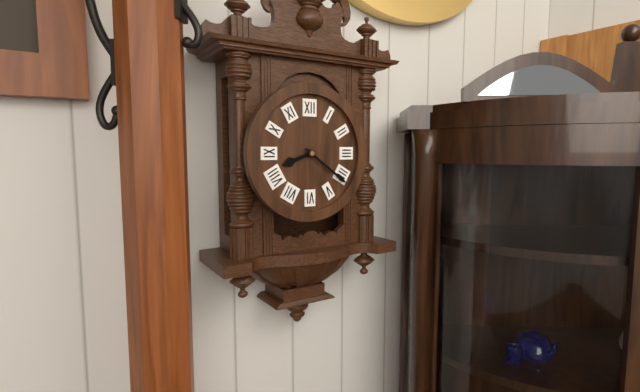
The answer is 8:21
